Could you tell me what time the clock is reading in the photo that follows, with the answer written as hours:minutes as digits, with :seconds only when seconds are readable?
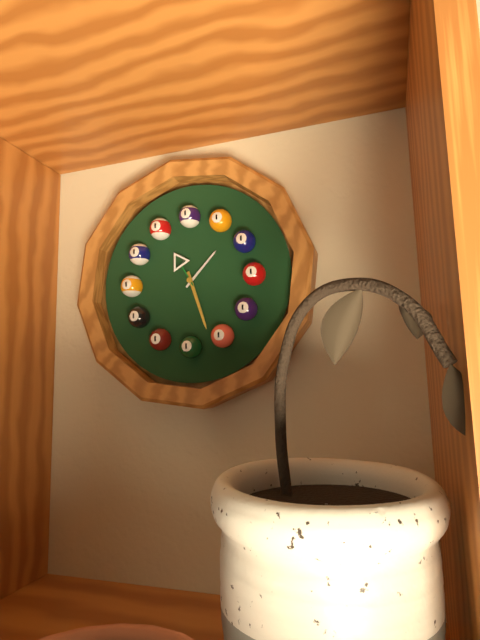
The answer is 1:27
